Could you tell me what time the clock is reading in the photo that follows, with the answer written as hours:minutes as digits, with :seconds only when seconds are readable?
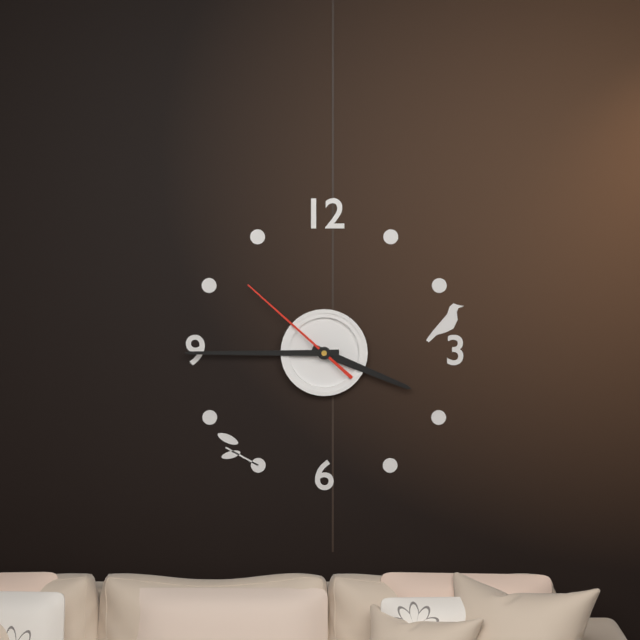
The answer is 3:45:52
